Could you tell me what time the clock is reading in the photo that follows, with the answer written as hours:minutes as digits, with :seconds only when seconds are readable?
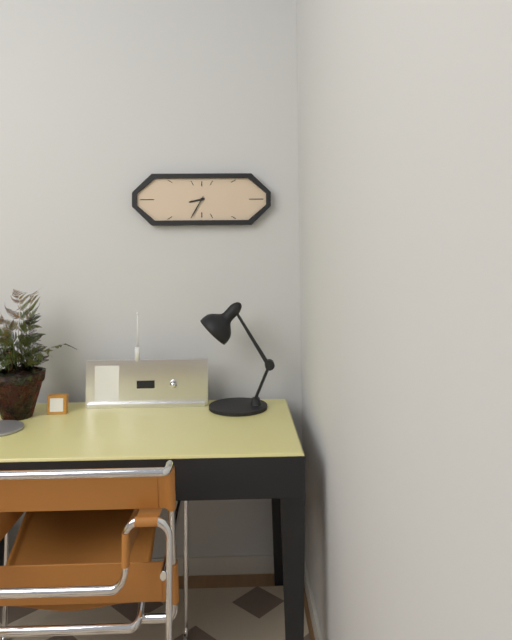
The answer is 8:35
